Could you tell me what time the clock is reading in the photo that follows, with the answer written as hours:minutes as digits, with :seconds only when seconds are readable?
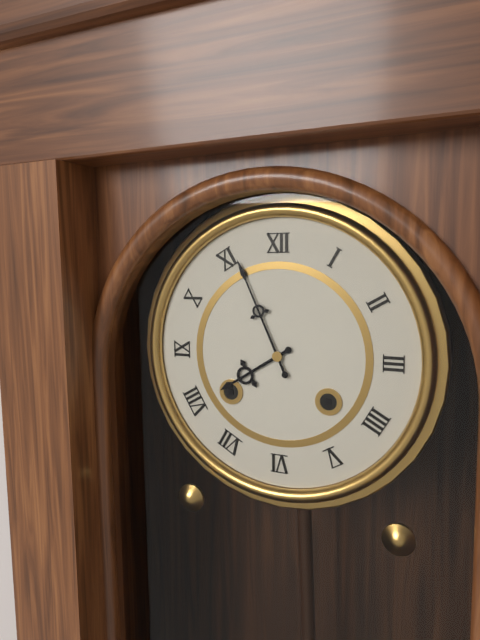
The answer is 7:56
